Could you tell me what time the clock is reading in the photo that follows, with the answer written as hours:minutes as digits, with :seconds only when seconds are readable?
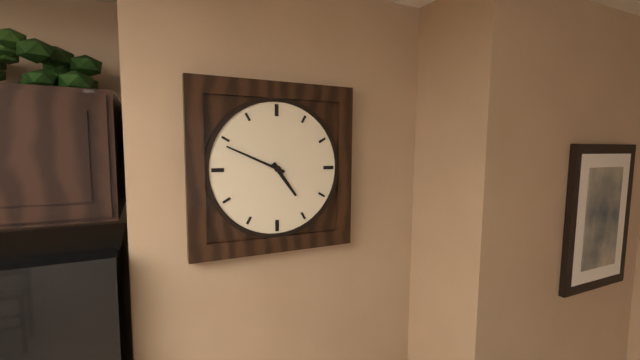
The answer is 4:49
